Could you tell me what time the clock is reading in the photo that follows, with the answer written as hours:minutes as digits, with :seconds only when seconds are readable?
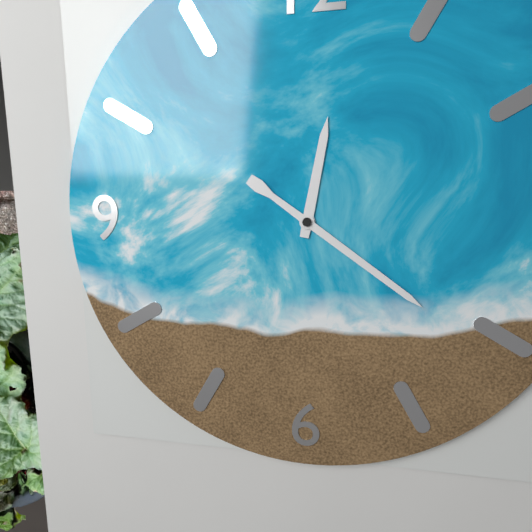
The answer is 12:21
